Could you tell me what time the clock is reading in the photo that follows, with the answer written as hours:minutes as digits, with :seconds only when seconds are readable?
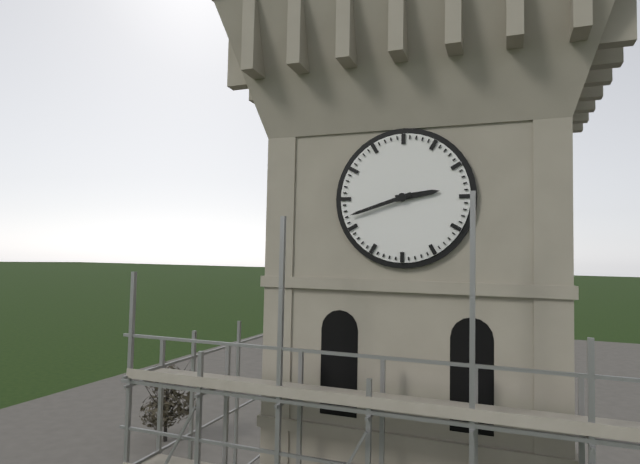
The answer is 2:42
